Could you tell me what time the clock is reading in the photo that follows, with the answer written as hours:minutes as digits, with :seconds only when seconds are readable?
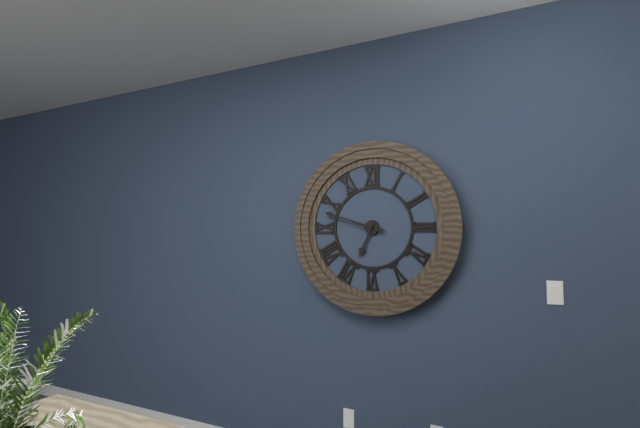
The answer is 6:48:47
